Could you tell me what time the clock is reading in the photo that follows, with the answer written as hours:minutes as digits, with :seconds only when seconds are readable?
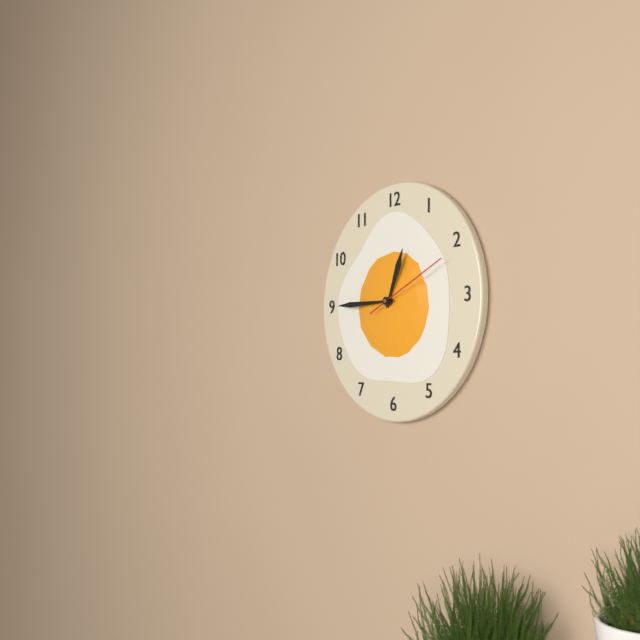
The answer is 12:45:11
